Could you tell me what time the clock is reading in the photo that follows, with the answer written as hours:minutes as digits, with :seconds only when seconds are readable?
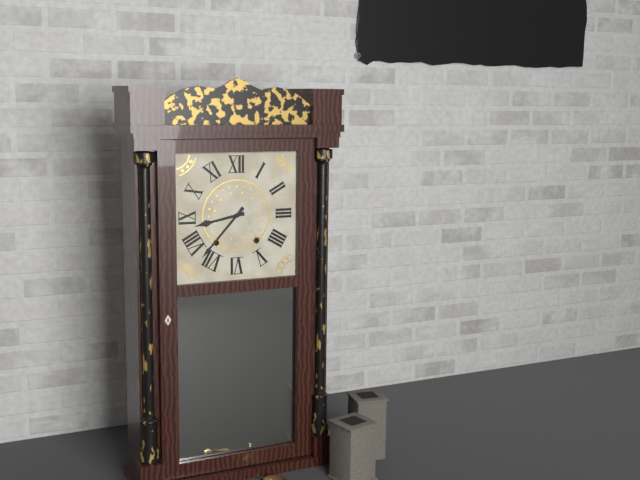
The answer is 8:37
